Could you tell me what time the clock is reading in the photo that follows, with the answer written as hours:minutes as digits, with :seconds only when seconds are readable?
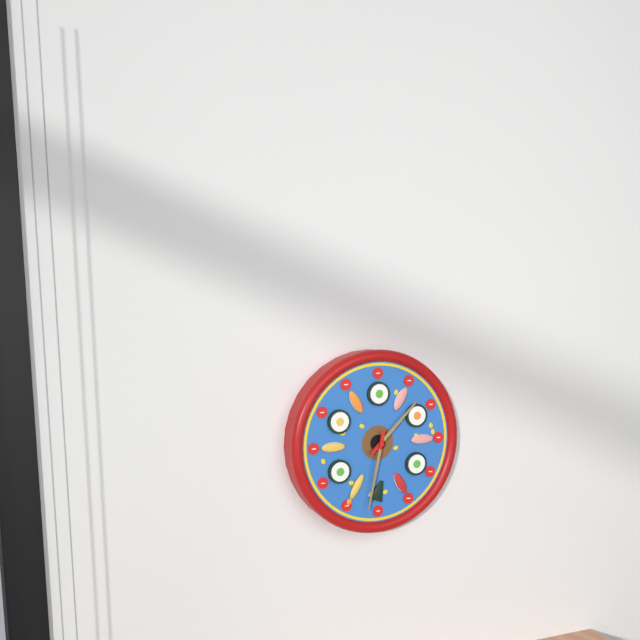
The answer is 1:32
